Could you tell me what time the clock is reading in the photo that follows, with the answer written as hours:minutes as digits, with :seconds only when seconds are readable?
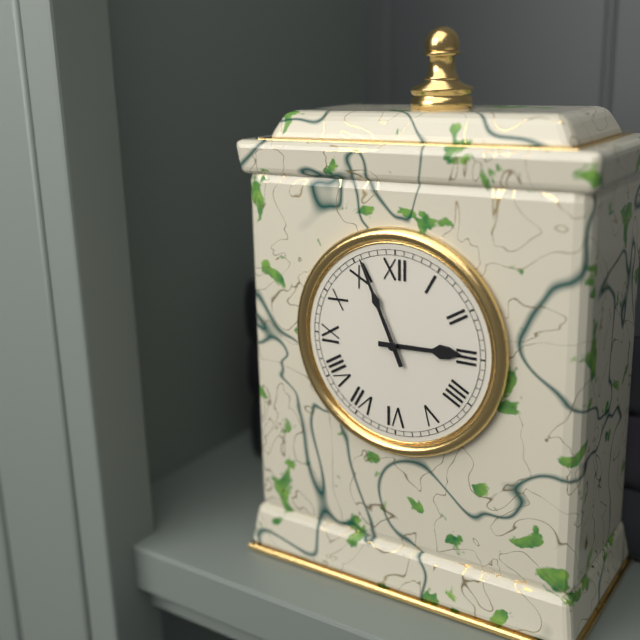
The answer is 2:56
